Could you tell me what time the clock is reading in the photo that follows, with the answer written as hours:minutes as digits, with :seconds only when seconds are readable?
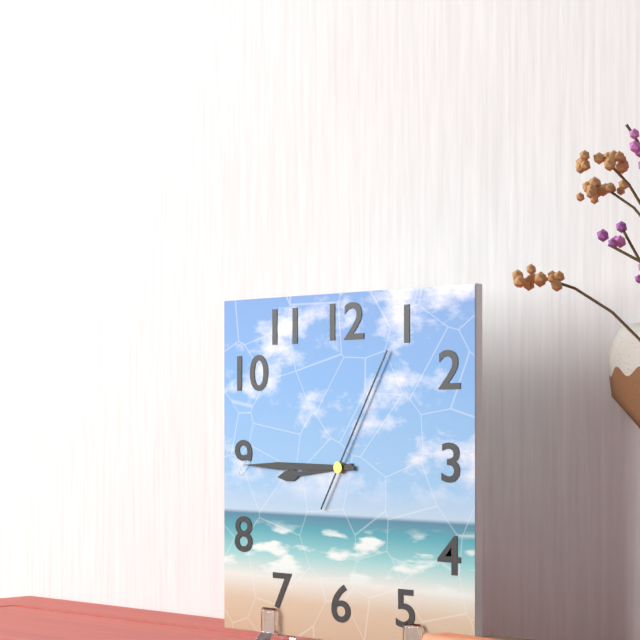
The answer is 8:45:05
